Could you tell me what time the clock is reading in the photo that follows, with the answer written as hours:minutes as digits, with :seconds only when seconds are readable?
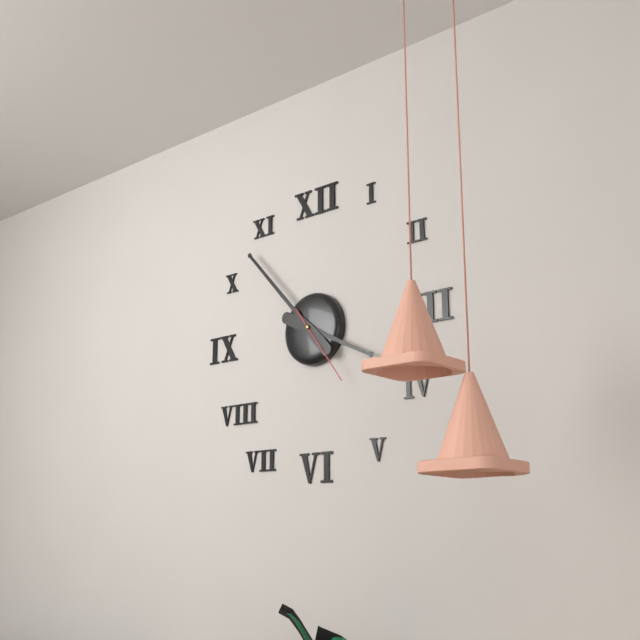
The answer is 3:53:24
